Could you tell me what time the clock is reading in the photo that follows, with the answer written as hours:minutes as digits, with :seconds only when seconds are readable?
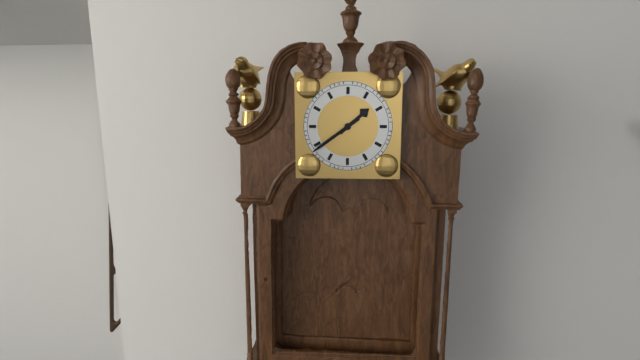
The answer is 1:39
